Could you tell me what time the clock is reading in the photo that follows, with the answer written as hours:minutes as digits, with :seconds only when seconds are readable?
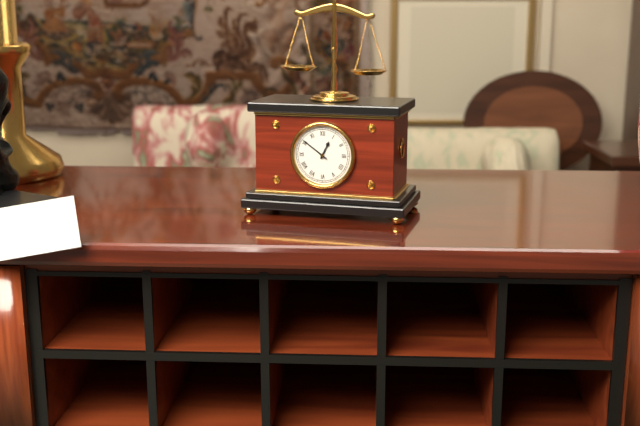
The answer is 12:51
